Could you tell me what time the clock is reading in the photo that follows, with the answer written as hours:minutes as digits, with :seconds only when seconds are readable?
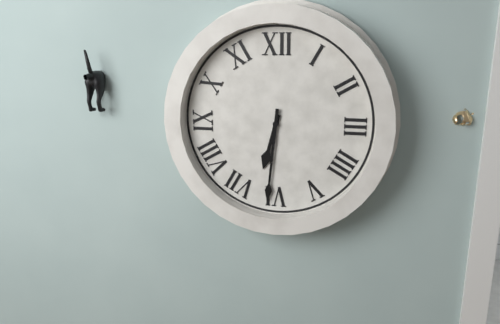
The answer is 6:31
